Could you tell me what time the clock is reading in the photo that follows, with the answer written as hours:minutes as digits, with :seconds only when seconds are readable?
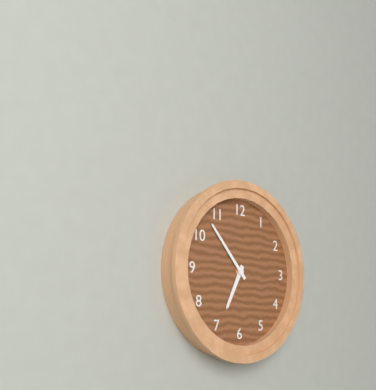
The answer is 6:53
